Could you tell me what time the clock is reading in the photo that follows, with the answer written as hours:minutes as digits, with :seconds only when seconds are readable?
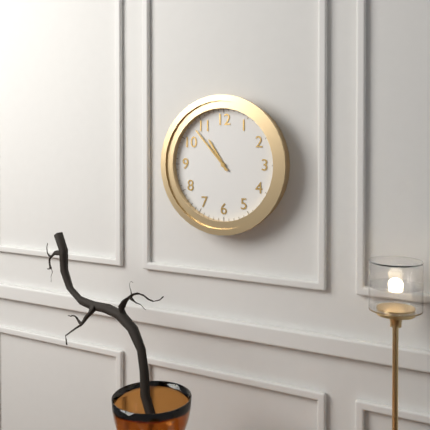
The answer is 10:53
